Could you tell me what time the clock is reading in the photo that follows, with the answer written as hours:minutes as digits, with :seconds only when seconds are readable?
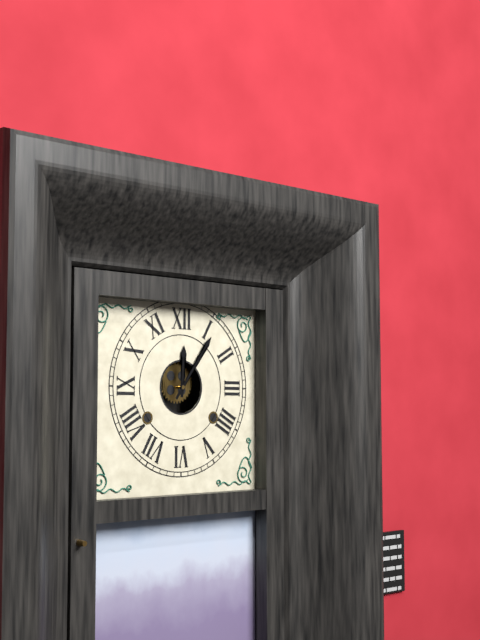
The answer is 12:06
